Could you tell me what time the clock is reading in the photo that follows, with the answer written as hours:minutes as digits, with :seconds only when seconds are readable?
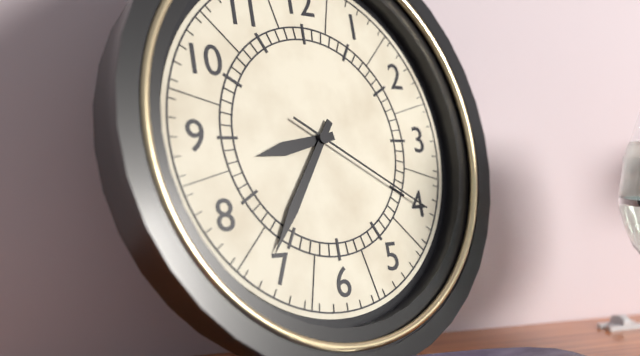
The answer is 8:36:20
